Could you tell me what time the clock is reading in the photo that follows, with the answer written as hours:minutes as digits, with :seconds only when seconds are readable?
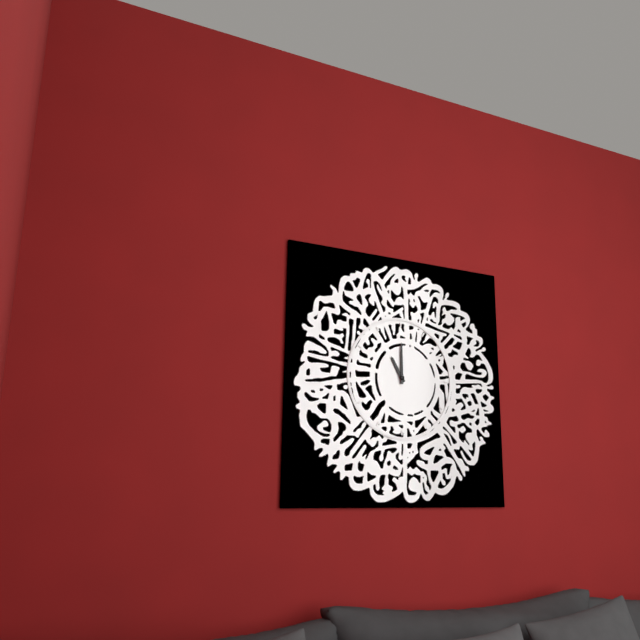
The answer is 11:00
